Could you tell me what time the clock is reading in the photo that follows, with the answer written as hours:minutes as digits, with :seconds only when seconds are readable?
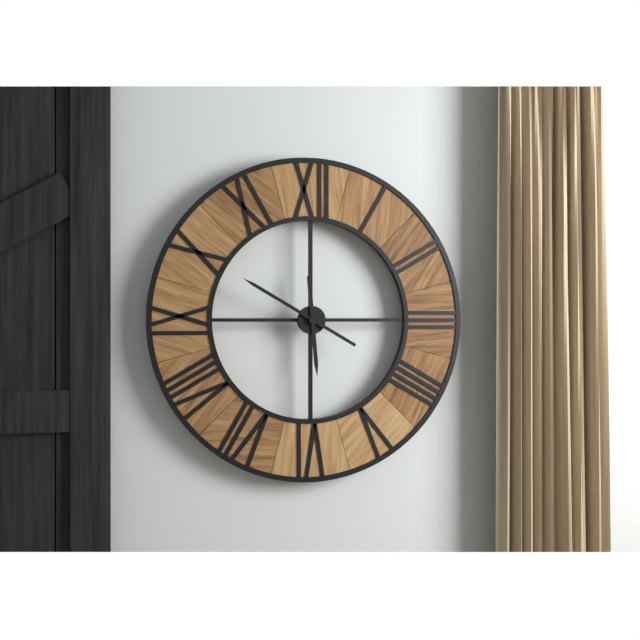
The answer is 5:50
